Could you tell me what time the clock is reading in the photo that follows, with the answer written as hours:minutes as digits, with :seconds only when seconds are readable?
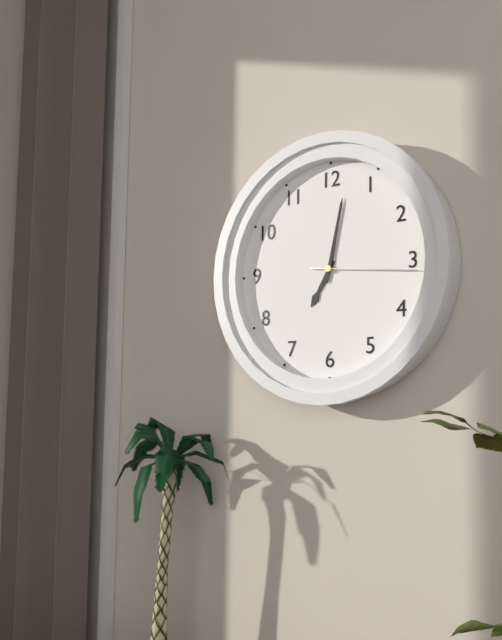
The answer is 7:02:16
